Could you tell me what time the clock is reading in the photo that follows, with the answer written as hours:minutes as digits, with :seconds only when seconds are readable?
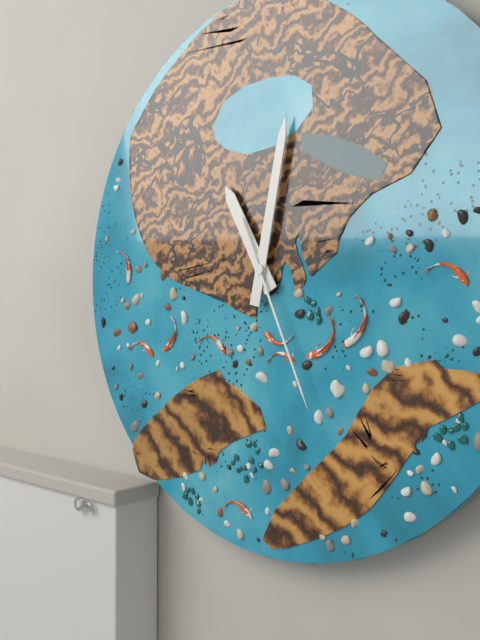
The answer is 11:02:26
